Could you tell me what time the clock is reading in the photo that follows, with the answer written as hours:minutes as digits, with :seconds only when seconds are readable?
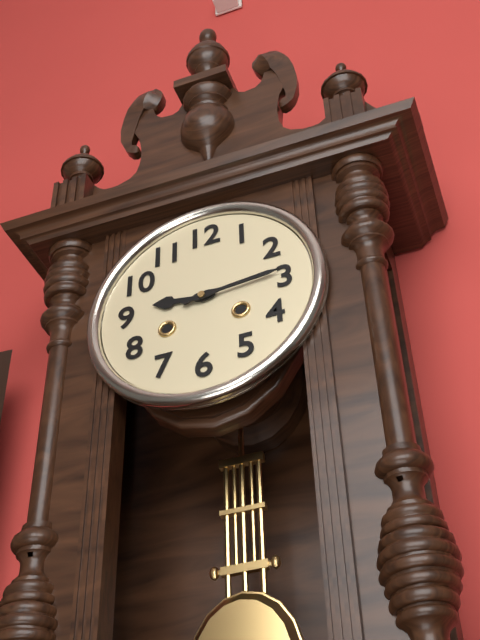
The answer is 9:14
